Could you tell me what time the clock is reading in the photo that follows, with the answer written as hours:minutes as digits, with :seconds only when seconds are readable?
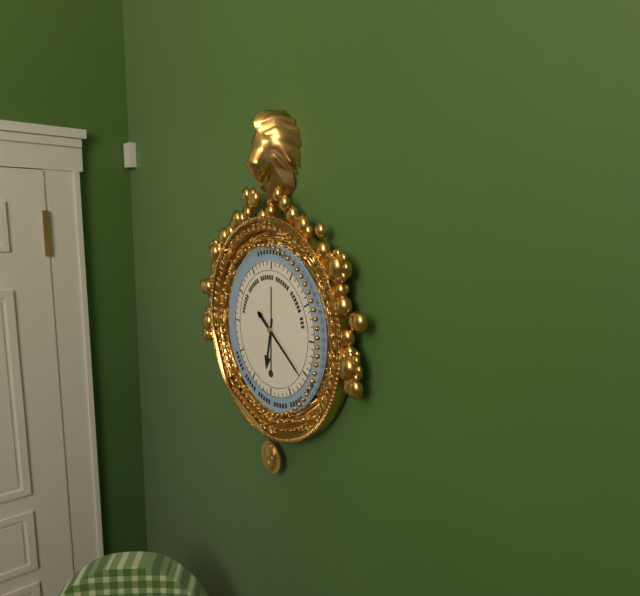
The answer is 6:21
